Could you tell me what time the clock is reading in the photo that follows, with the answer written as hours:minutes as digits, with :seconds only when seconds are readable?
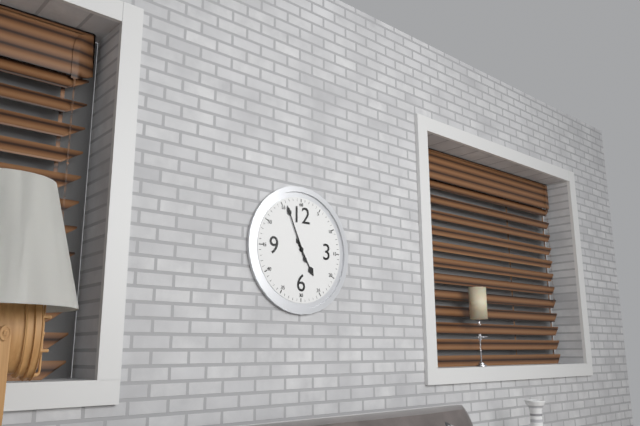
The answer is 4:56
